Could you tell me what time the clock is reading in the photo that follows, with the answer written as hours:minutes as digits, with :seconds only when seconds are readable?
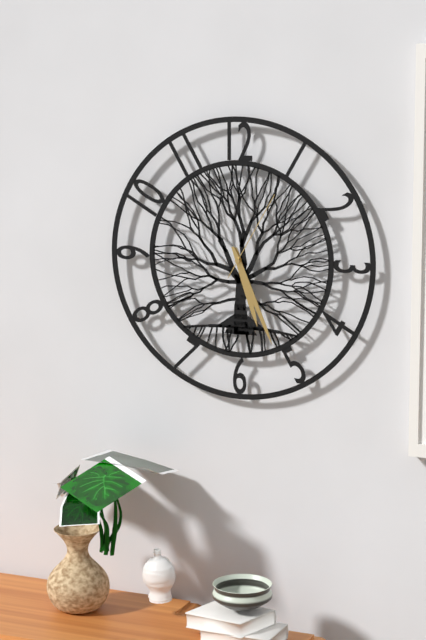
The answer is 5:26:05
